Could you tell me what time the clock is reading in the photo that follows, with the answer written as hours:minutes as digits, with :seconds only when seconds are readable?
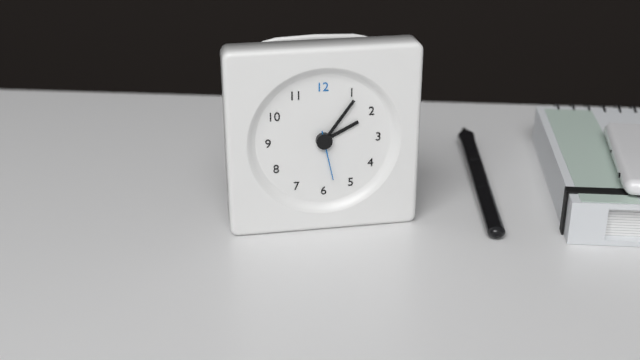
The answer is 2:06
